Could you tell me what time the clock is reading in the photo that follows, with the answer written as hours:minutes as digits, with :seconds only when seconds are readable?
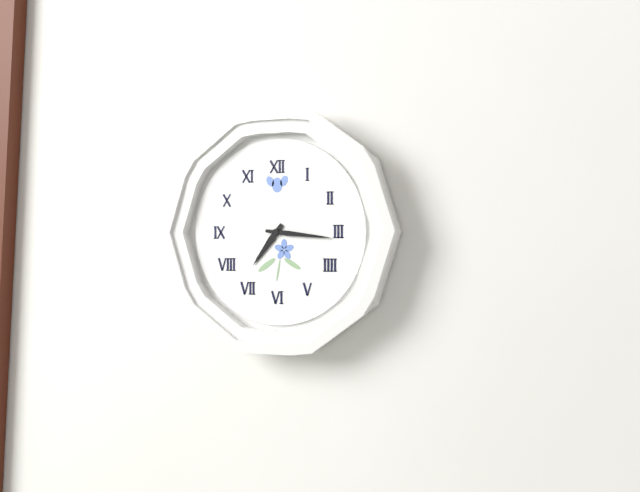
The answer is 7:16
